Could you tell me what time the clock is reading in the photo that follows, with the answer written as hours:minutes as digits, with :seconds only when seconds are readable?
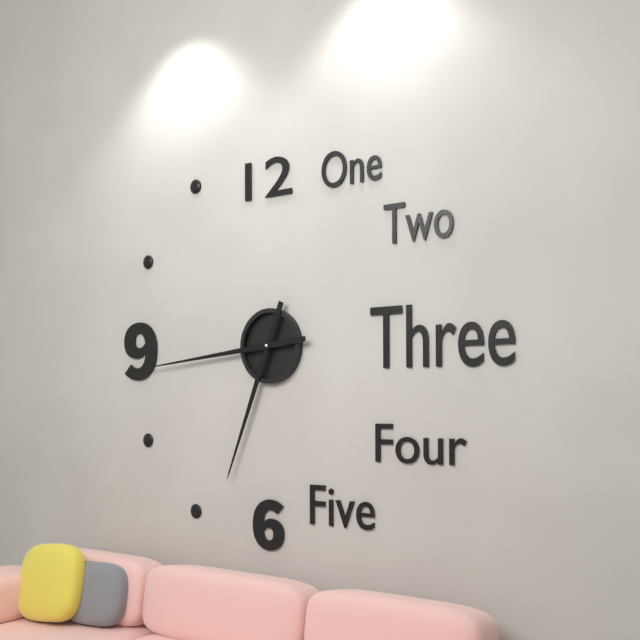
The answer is 6:44
